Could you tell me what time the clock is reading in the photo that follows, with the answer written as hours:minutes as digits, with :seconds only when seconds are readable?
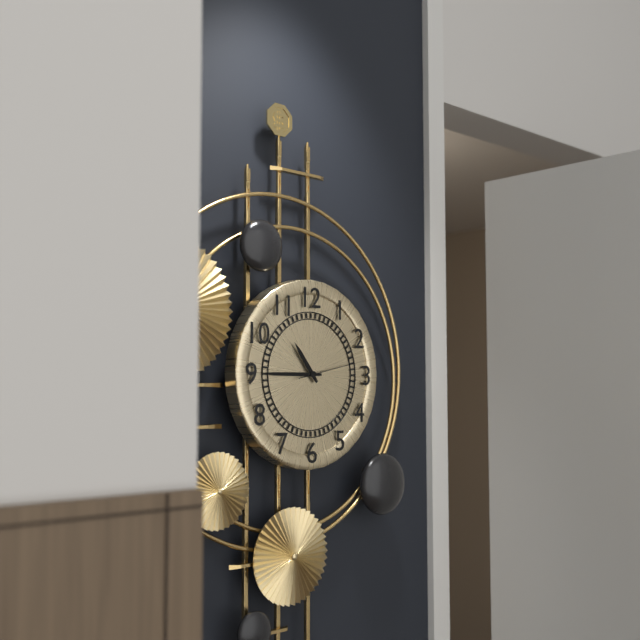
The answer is 10:45:13
